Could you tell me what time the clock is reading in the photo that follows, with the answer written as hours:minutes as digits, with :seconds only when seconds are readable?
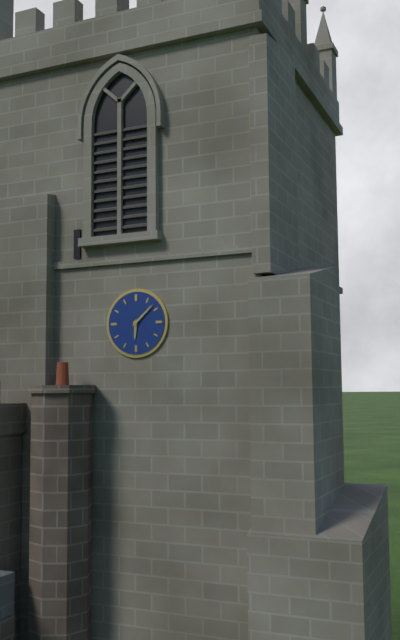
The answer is 6:08
